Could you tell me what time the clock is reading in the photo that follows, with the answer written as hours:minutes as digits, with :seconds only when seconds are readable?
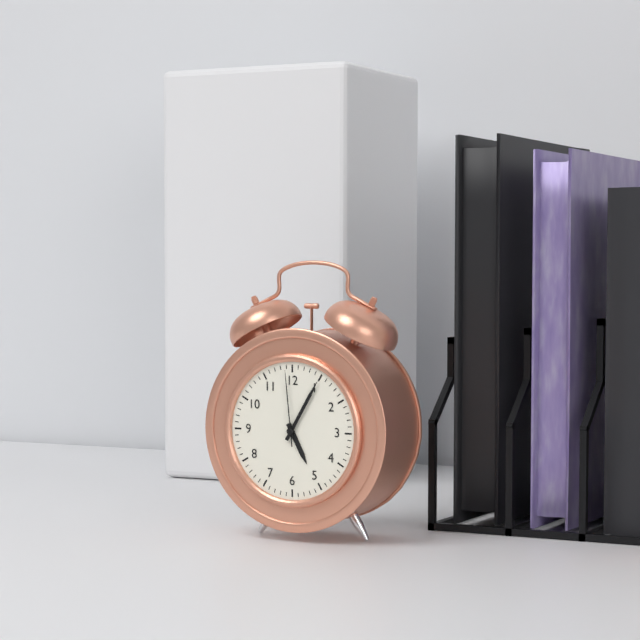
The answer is 5:05:59
